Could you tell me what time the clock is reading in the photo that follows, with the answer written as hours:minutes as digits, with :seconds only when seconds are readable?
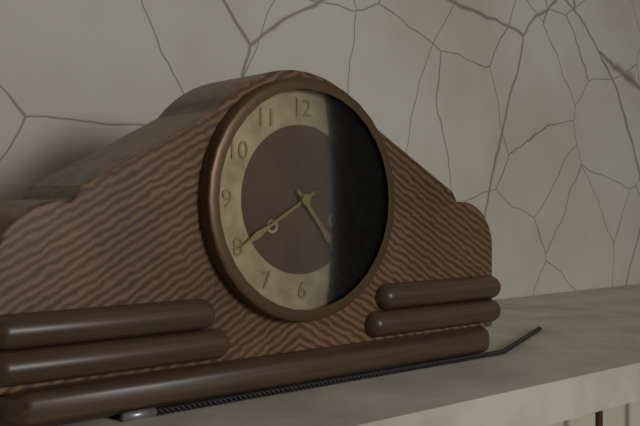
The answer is 4:40
